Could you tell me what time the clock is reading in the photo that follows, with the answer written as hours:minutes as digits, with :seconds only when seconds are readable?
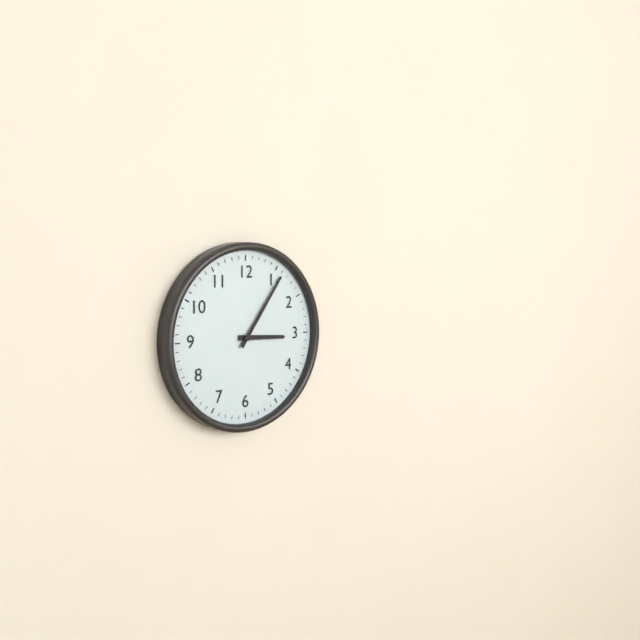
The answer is 3:06
